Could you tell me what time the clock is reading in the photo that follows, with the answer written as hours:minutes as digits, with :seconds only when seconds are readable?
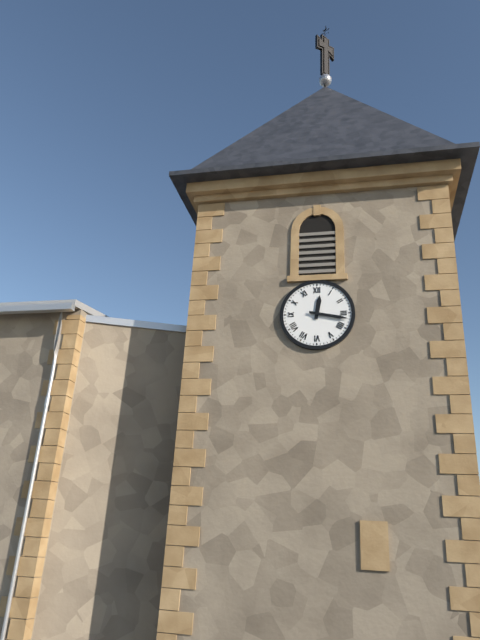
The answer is 12:17
